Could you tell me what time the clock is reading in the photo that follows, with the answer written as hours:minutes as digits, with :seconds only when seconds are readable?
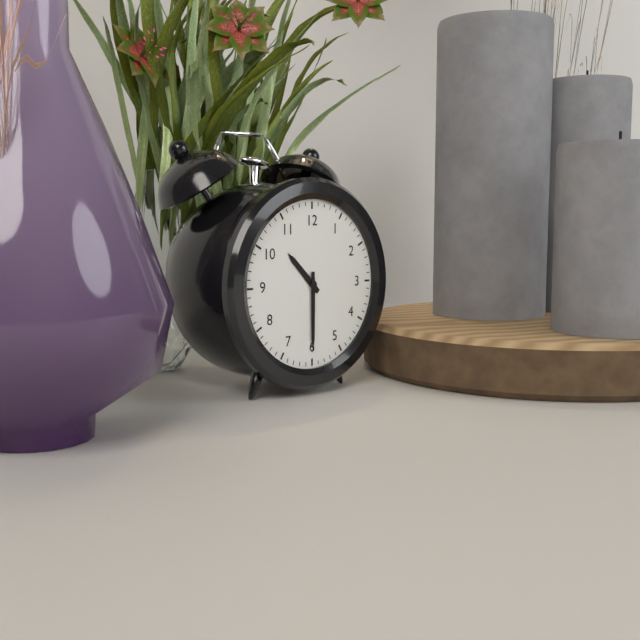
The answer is 10:30
